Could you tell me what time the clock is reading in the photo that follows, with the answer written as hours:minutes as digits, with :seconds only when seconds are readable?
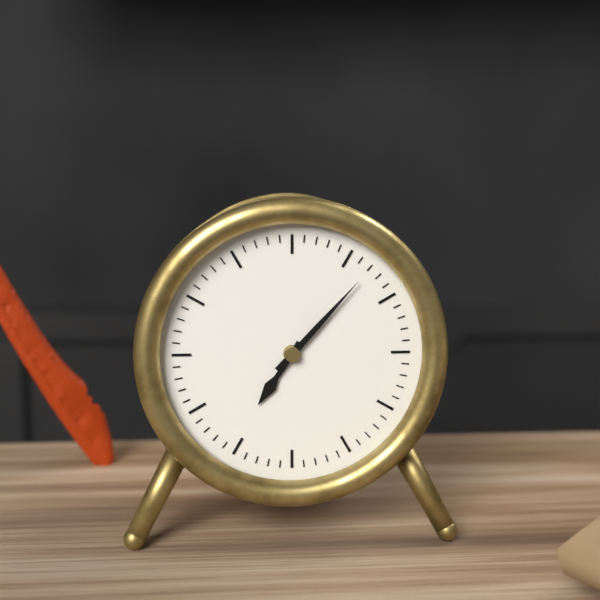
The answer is 7:07
